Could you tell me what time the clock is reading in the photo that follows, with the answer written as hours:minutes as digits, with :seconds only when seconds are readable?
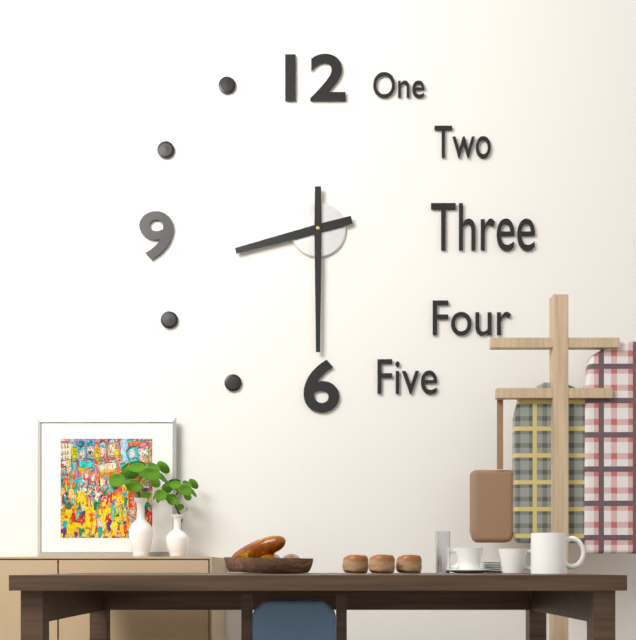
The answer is 8:30
